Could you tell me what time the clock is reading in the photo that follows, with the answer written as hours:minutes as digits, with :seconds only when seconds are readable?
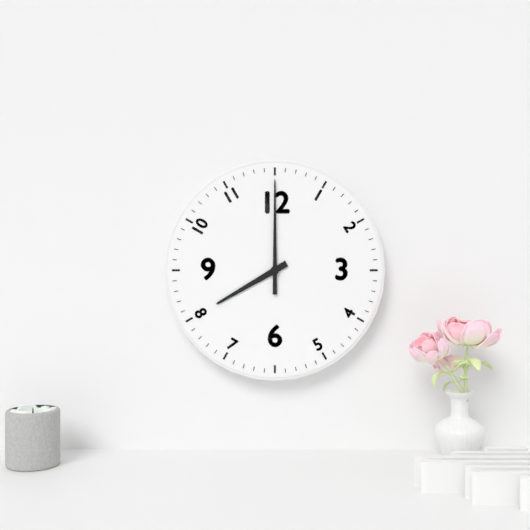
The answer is 8:00
